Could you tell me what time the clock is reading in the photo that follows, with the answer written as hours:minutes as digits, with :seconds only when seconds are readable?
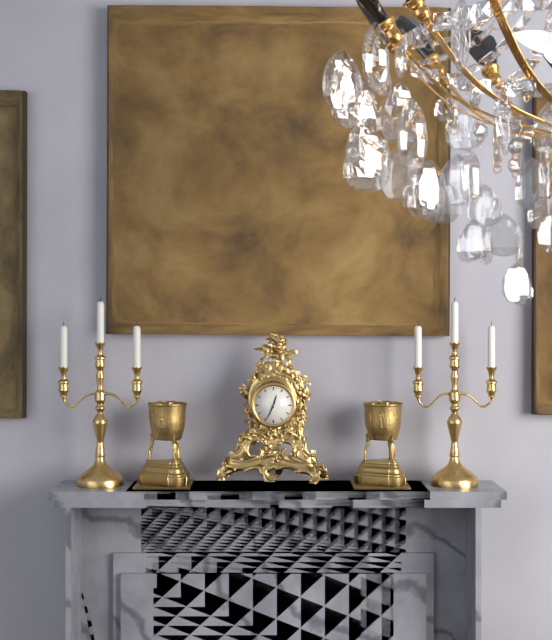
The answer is 12:34
